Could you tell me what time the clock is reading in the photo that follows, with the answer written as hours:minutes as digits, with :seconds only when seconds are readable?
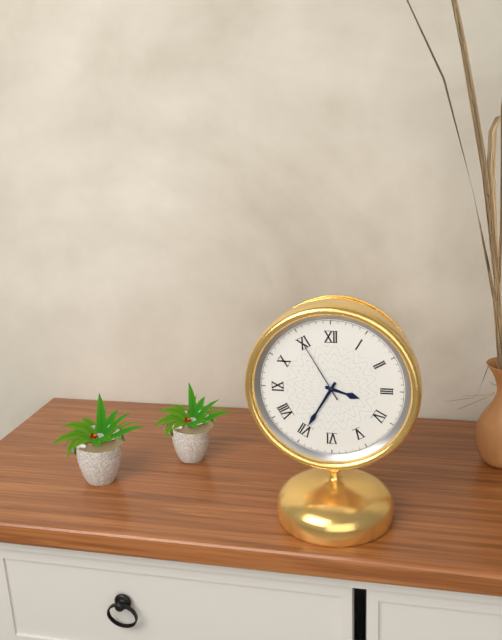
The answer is 3:35:55
